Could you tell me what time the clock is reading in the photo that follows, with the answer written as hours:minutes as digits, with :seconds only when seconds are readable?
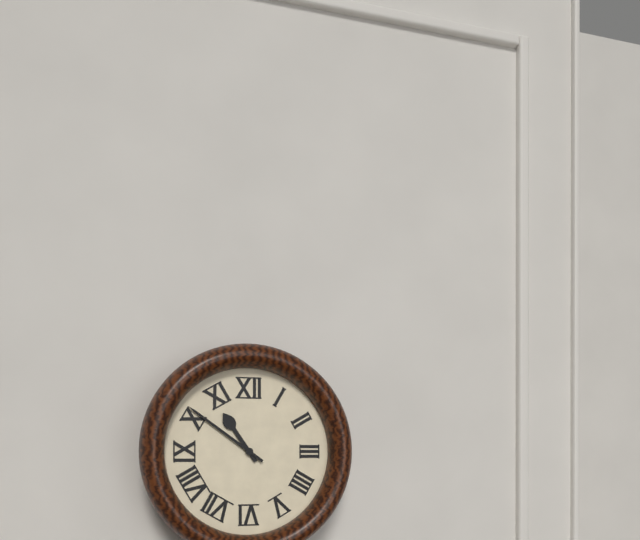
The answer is 10:51
